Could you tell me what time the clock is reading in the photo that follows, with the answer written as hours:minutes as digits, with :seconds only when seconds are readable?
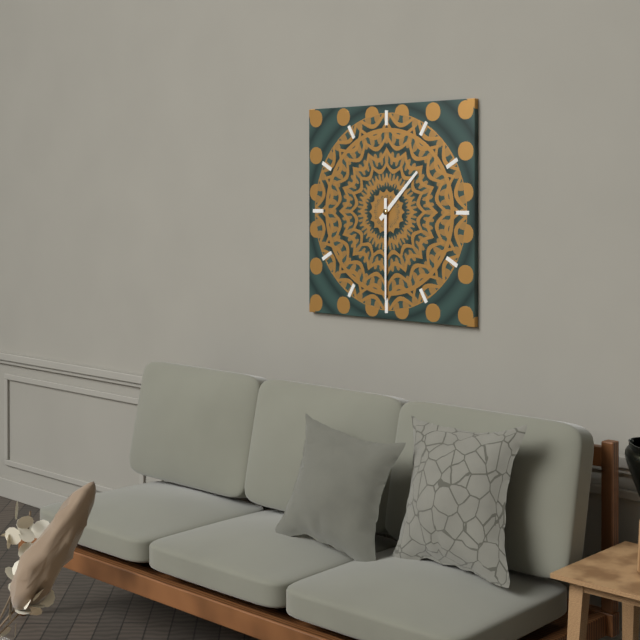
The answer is 1:30
